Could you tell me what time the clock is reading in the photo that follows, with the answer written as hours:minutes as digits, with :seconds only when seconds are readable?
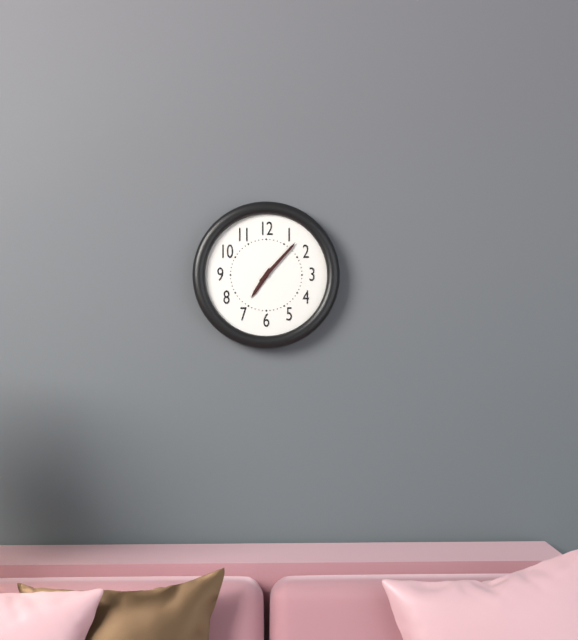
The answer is 7:07
